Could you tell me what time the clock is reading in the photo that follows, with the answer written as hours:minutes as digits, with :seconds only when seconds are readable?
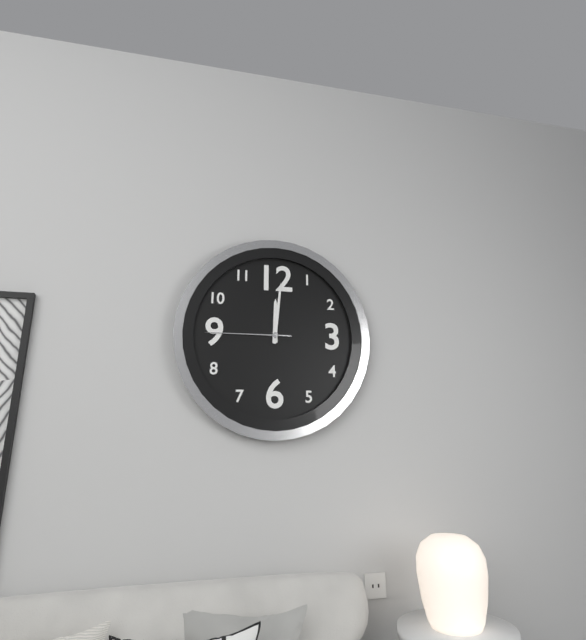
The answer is 12:01:45
